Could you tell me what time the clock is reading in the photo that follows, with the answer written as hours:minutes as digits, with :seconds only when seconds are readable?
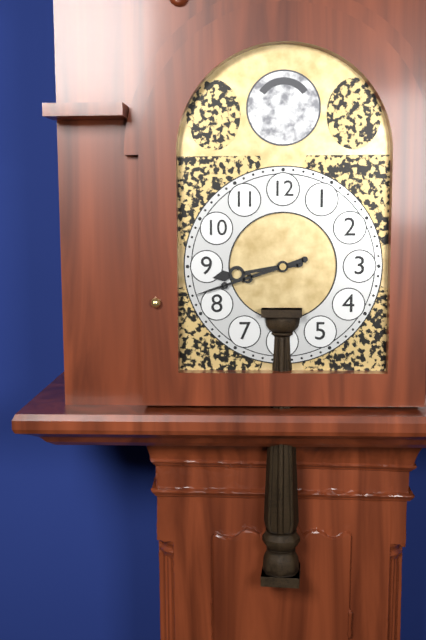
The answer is 8:42
